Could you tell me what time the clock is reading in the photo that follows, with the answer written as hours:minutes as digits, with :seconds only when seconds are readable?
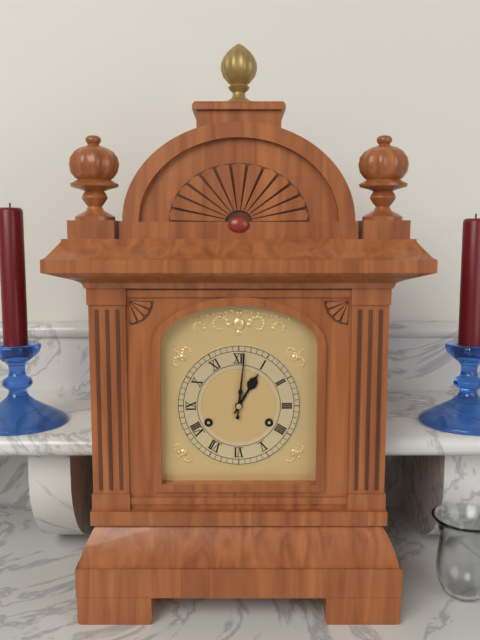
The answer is 1:01
